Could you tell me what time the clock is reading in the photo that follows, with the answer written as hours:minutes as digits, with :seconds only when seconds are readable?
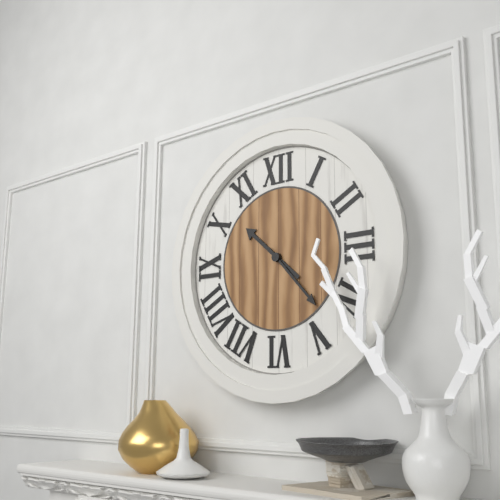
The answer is 10:23
